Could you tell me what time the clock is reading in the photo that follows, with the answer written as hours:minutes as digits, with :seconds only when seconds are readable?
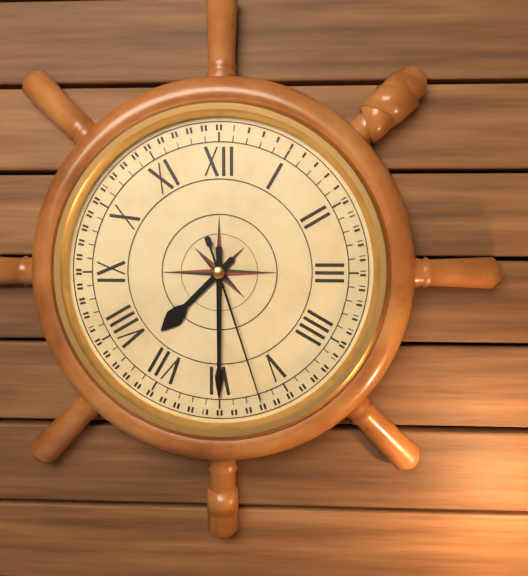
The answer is 7:30:27
